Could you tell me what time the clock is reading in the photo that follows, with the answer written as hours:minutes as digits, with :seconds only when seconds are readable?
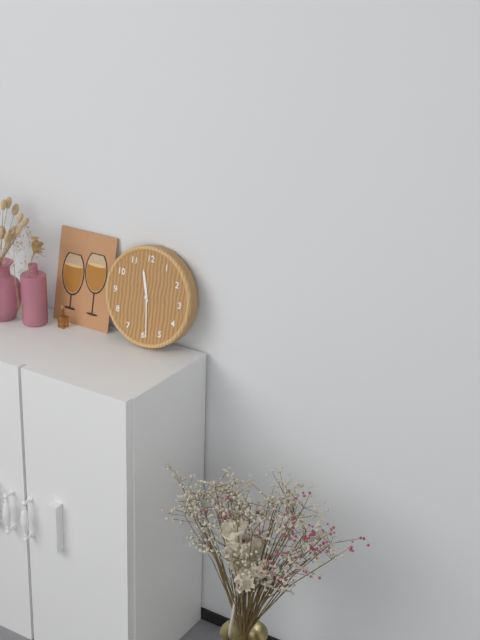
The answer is 11:29
